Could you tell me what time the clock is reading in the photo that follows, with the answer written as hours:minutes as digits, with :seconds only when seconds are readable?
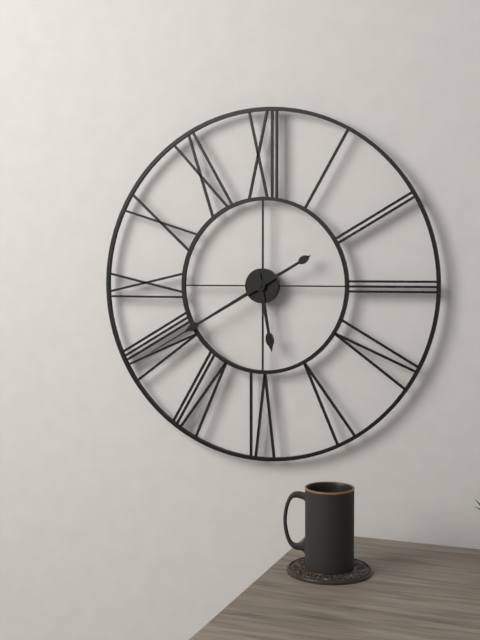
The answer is 5:40
